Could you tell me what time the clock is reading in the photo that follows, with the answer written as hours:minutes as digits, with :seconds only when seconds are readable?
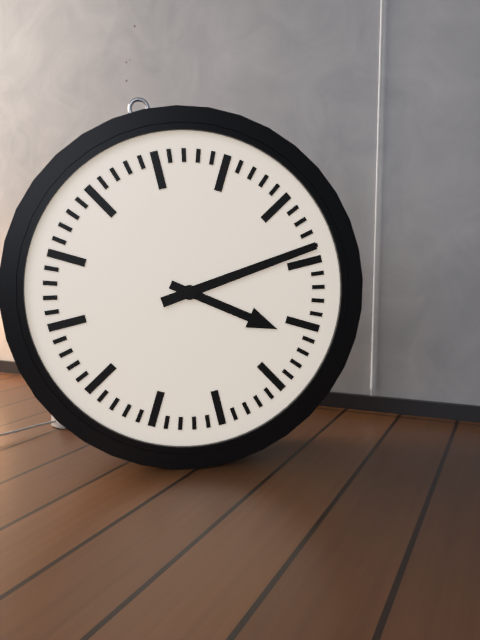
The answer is 4:14
